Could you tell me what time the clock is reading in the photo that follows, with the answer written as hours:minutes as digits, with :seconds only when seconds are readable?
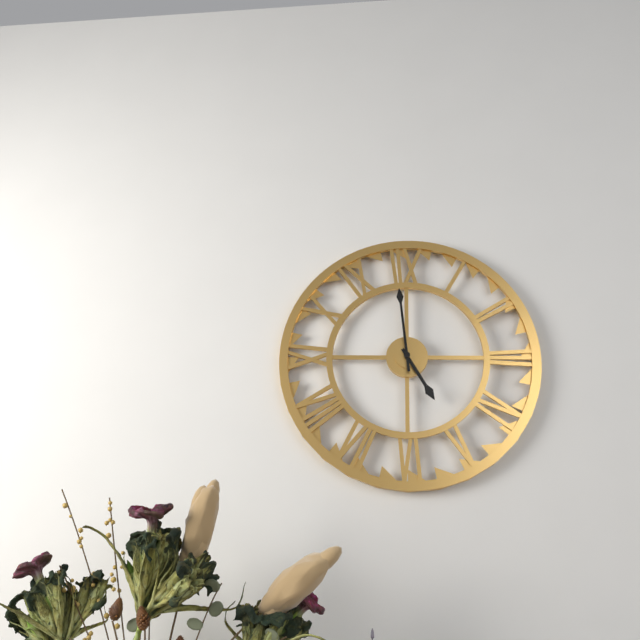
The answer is 4:59
